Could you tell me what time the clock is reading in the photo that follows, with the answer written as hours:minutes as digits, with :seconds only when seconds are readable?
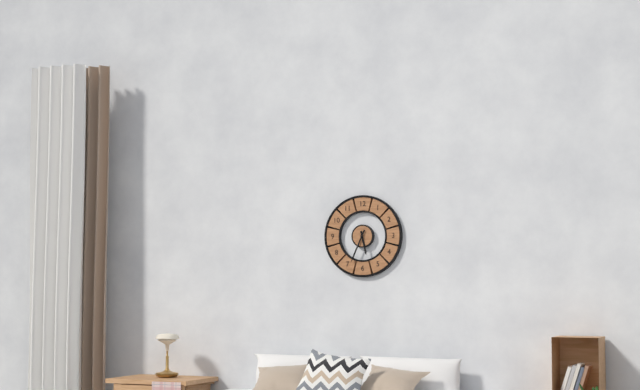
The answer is 5:34
